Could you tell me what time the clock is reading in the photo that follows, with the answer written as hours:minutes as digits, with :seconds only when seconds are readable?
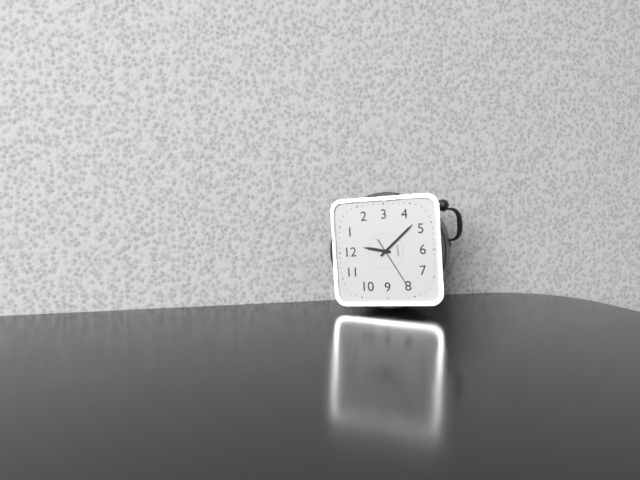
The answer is 12:23
